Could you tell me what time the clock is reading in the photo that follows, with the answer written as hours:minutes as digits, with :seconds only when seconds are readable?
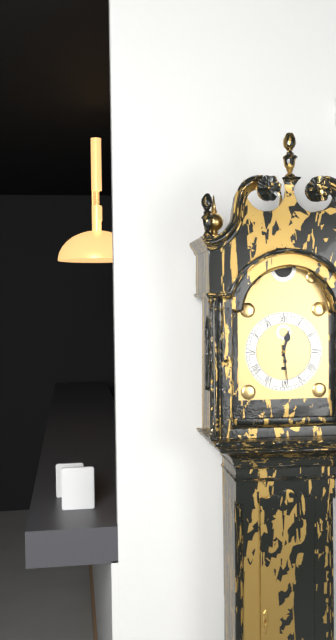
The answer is 12:29
